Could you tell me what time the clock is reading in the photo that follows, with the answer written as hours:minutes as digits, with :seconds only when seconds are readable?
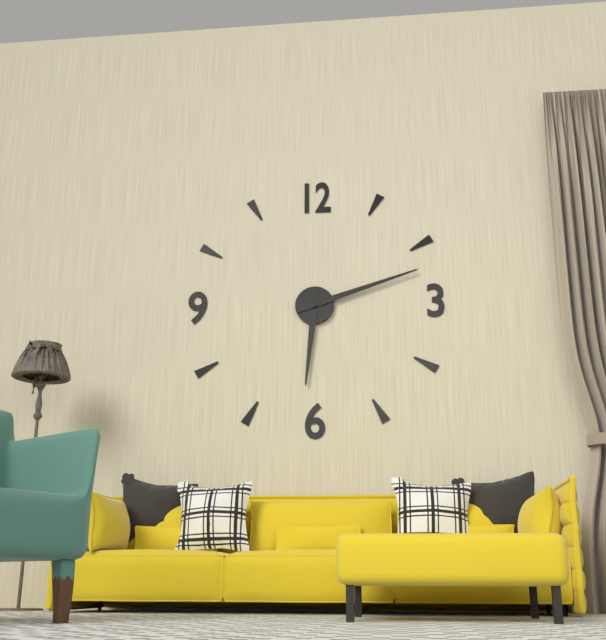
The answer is 6:12
